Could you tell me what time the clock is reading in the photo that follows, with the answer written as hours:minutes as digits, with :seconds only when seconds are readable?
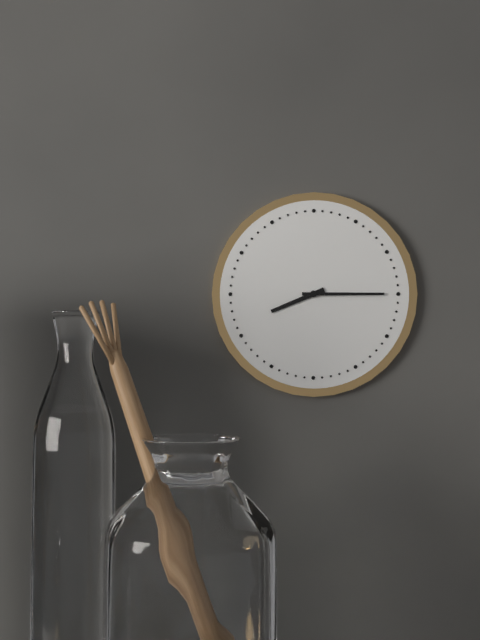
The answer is 8:15
